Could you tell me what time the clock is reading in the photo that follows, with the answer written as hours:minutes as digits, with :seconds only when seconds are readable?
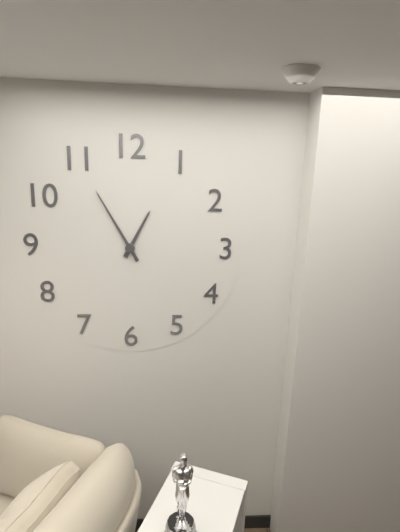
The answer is 12:55
